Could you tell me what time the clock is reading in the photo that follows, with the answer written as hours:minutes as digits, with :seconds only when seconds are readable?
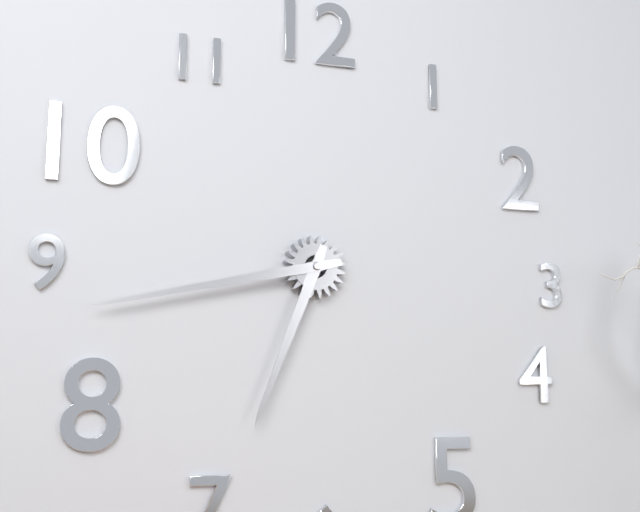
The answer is 6:43
